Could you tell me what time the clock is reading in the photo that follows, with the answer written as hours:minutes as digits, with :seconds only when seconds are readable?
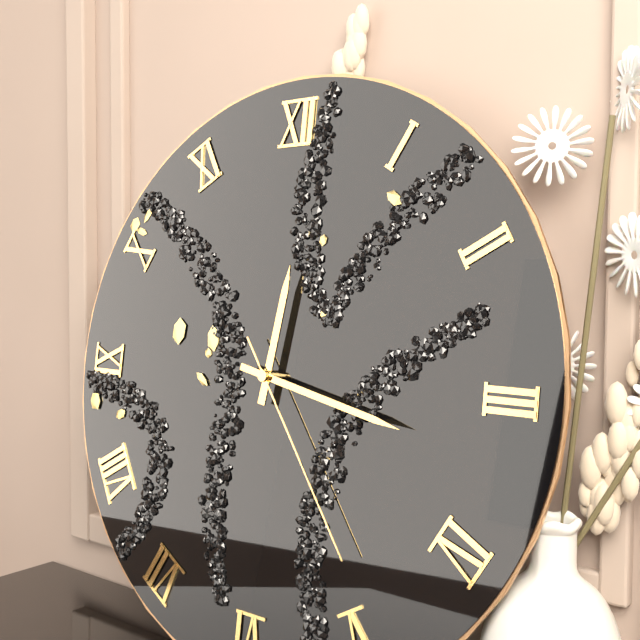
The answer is 12:17:24
